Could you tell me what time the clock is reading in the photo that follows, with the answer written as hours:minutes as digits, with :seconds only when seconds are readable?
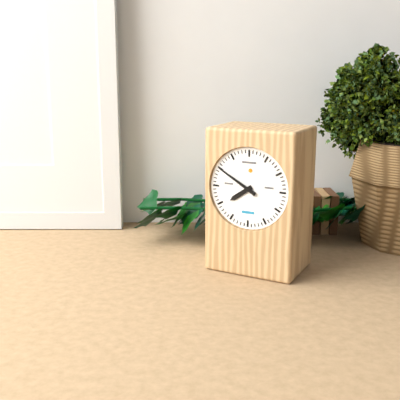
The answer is 7:50
